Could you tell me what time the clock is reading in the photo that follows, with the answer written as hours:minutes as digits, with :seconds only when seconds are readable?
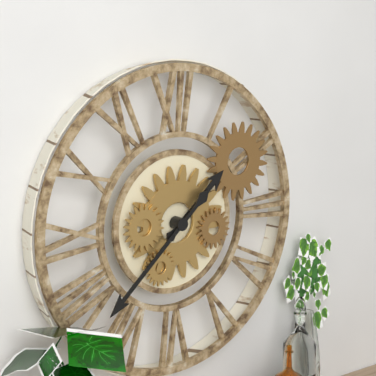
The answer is 1:38
